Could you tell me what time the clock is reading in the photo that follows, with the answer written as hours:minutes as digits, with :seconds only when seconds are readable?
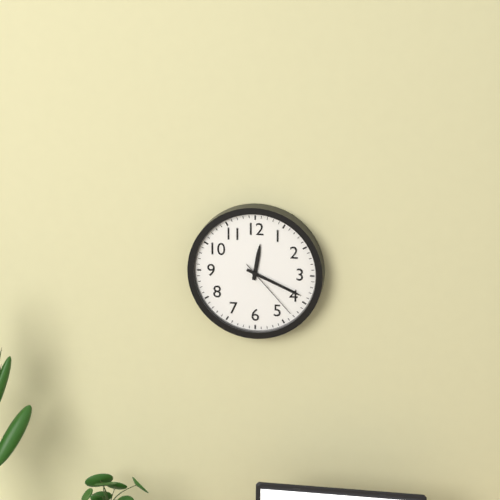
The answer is 12:19:23
